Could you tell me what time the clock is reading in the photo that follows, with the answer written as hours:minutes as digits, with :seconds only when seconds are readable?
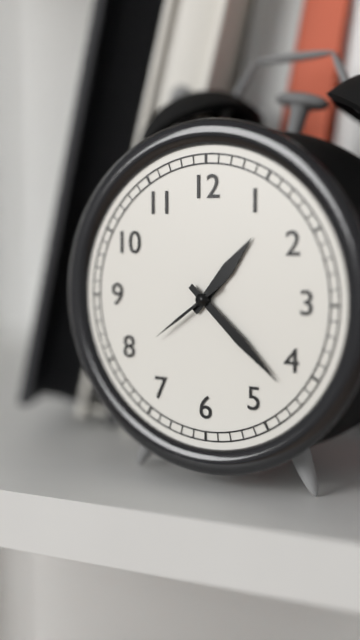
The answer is 1:22:39
